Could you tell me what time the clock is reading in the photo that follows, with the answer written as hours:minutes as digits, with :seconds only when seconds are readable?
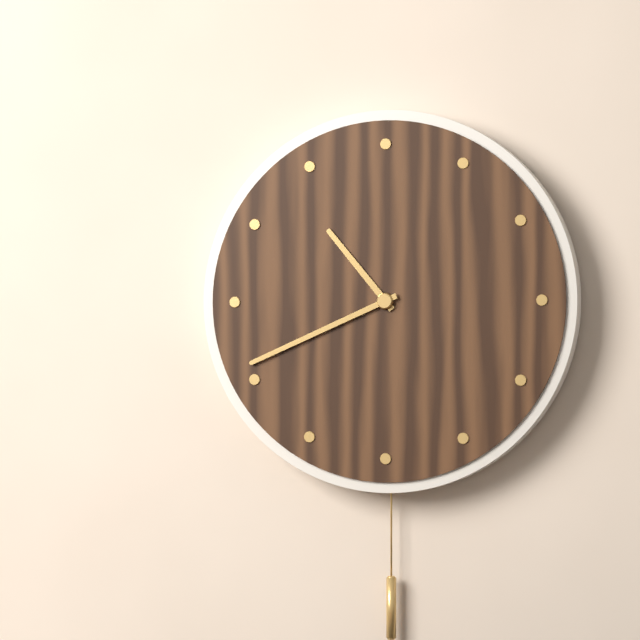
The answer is 10:41
